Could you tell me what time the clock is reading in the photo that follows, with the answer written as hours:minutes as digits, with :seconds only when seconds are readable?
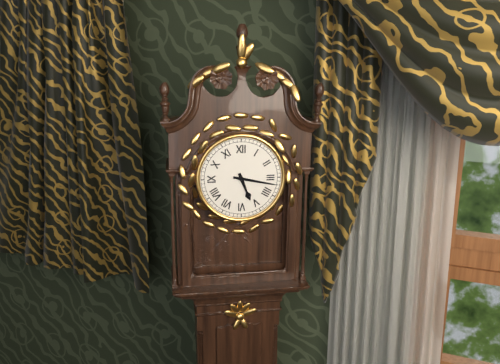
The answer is 5:17
